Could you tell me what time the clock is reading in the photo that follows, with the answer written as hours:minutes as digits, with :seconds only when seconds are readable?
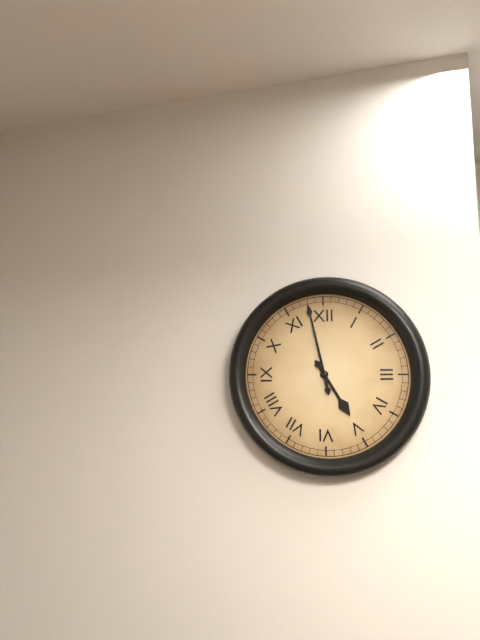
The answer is 4:58
